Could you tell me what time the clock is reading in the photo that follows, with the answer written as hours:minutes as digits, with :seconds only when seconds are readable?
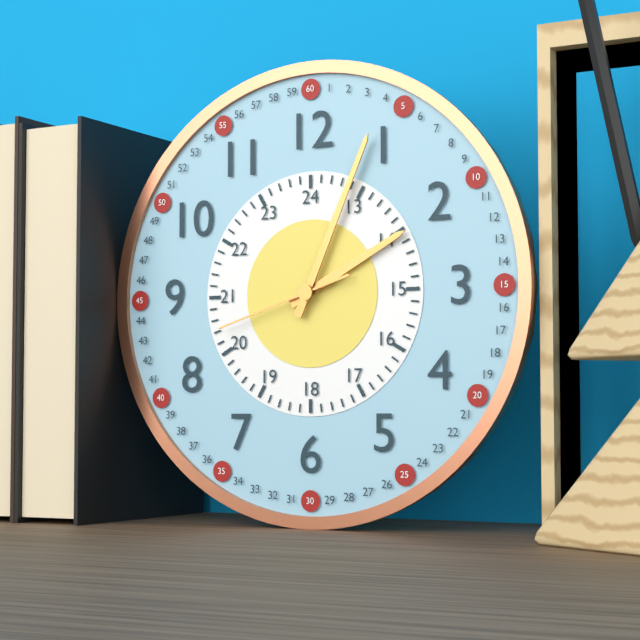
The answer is 2:04:42
